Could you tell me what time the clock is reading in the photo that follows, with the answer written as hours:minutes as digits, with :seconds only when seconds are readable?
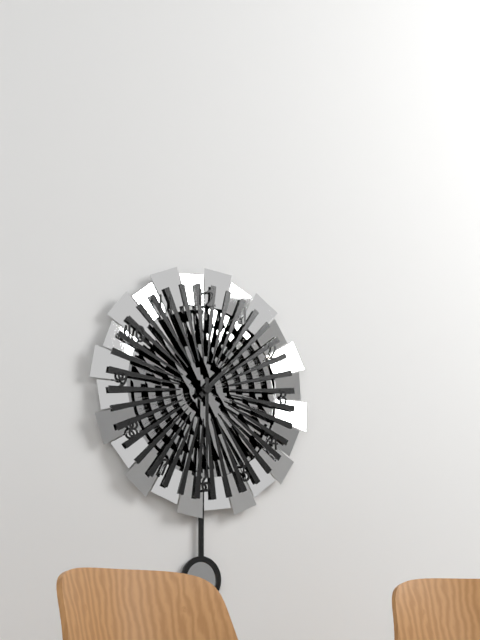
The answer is 1:30
